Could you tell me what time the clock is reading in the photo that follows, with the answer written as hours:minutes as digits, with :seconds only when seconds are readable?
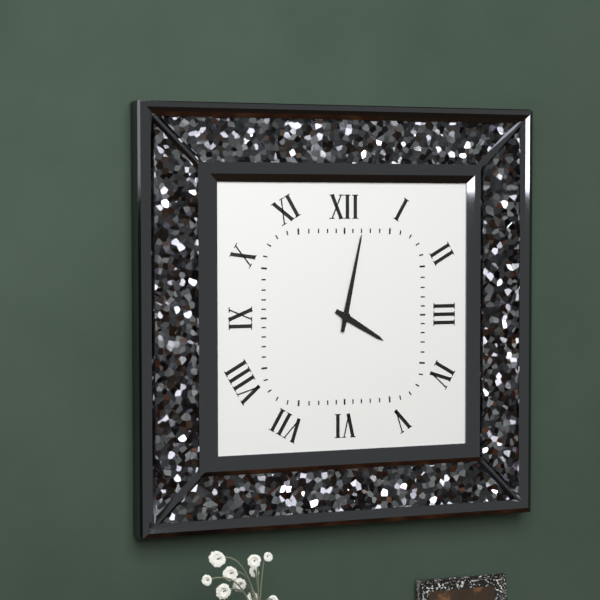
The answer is 4:02
